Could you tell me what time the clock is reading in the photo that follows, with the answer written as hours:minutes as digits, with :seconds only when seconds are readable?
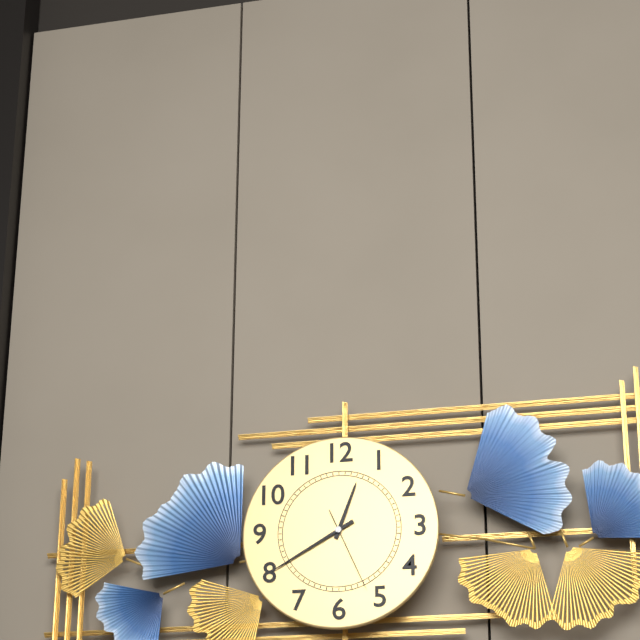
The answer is 12:40:26
